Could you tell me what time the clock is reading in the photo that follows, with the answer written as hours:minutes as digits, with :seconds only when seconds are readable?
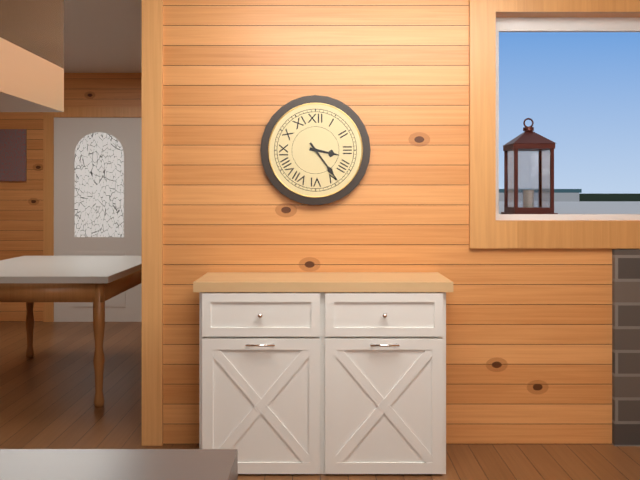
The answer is 3:24
